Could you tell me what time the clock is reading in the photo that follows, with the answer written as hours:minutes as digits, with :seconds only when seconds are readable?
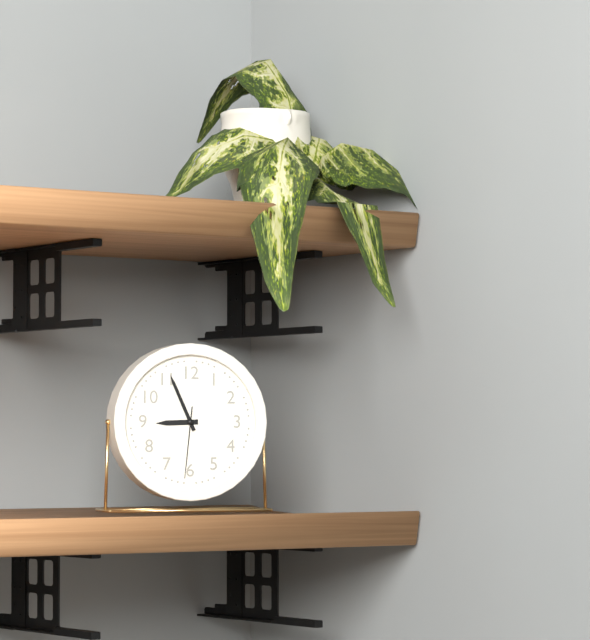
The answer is 8:56:31
